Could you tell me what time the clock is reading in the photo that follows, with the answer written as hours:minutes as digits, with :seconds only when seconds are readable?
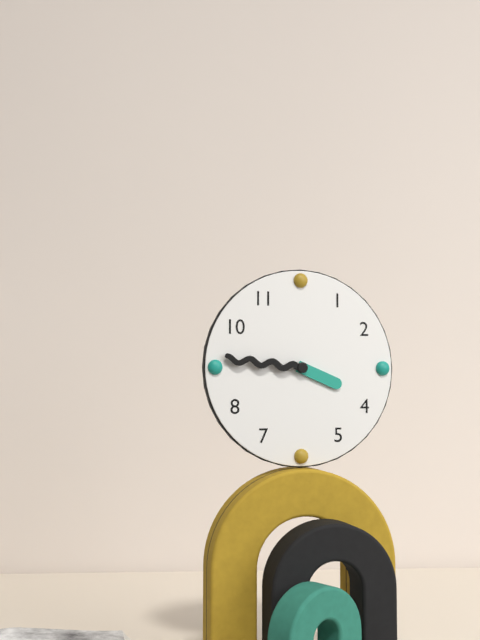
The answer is 3:46
